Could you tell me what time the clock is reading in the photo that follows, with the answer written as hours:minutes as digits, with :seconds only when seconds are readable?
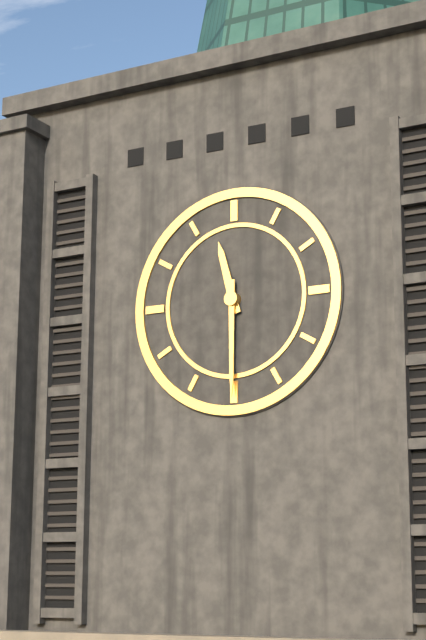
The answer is 11:30
